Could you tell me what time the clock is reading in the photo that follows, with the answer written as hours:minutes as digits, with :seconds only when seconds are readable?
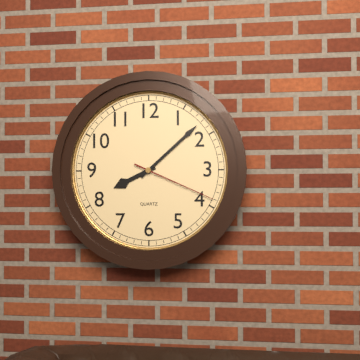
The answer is 8:08:19
